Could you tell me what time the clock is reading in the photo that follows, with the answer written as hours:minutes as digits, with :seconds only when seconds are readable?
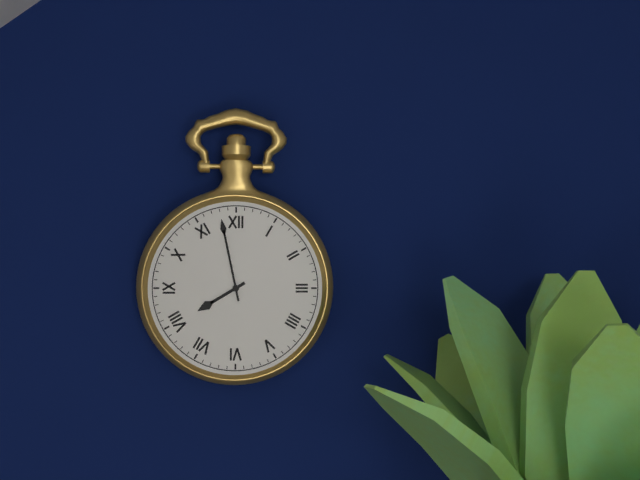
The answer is 7:58
